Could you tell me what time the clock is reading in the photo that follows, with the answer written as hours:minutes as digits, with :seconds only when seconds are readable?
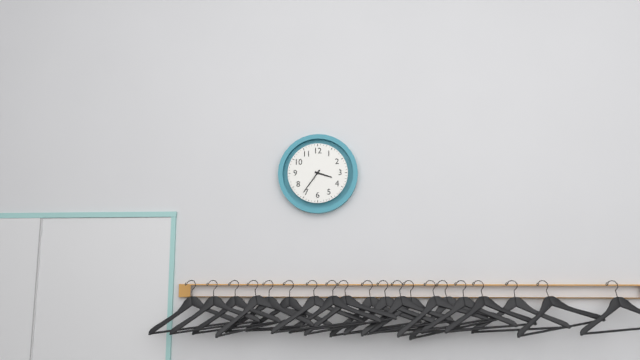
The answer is 3:36
